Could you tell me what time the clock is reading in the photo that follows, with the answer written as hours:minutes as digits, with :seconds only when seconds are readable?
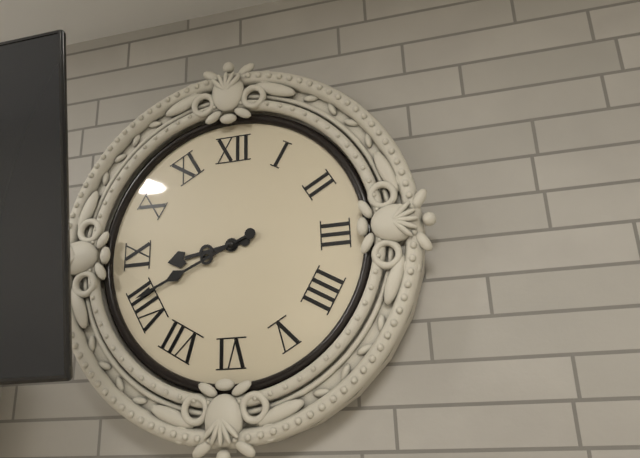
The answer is 8:41
